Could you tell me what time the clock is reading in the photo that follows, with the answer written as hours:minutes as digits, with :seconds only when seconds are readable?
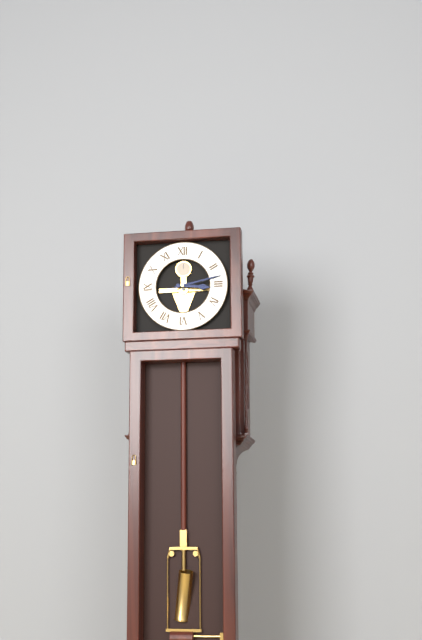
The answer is 3:13
